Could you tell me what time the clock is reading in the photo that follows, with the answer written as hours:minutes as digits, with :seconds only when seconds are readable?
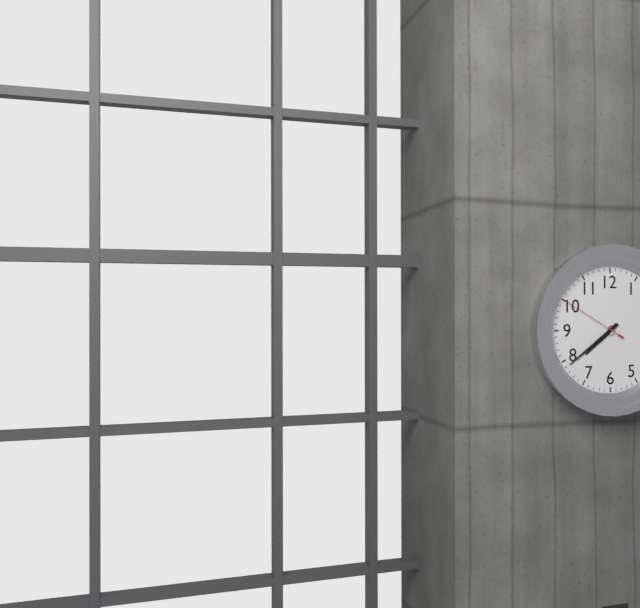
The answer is 7:39:50
